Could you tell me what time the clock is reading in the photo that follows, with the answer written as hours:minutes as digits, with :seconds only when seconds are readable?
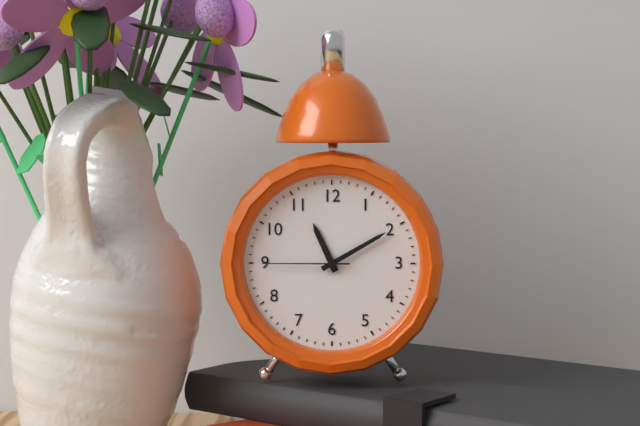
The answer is 11:10:45
